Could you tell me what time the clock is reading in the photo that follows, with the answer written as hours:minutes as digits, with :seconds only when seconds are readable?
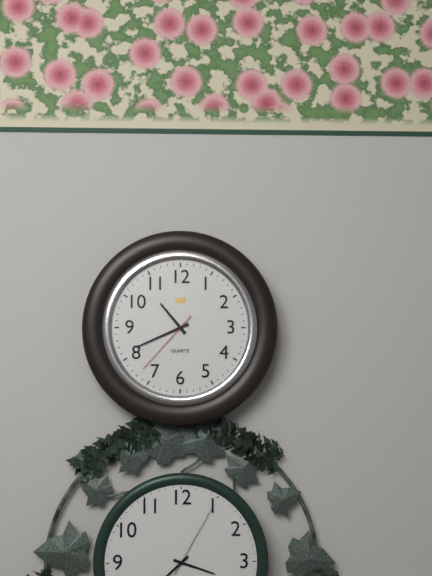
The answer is 10:41:37
